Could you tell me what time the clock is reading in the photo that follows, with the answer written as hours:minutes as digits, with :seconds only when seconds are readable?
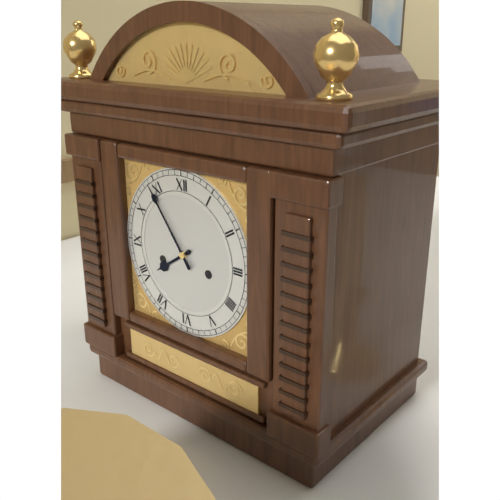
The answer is 7:54
